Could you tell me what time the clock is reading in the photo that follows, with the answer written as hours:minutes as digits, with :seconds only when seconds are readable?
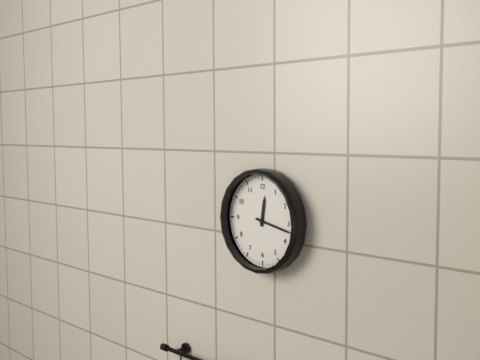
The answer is 12:17
